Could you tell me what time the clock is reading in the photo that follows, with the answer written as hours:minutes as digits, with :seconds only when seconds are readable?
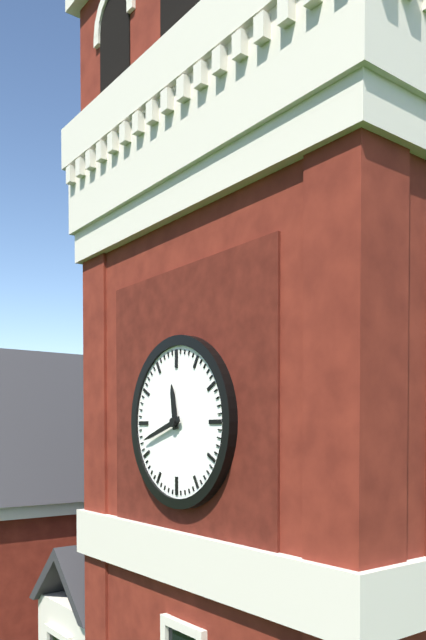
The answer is 11:42
